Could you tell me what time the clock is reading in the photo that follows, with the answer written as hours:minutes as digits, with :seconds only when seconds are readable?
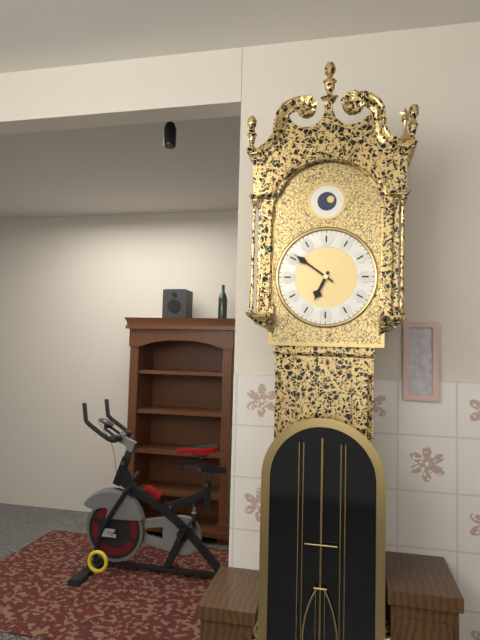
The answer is 6:51
